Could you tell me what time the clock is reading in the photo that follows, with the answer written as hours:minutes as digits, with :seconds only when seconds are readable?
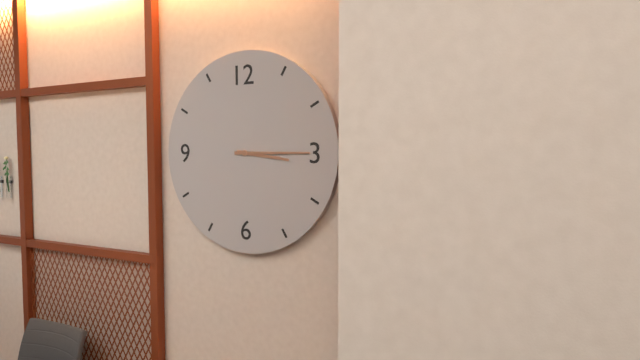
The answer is 3:15
